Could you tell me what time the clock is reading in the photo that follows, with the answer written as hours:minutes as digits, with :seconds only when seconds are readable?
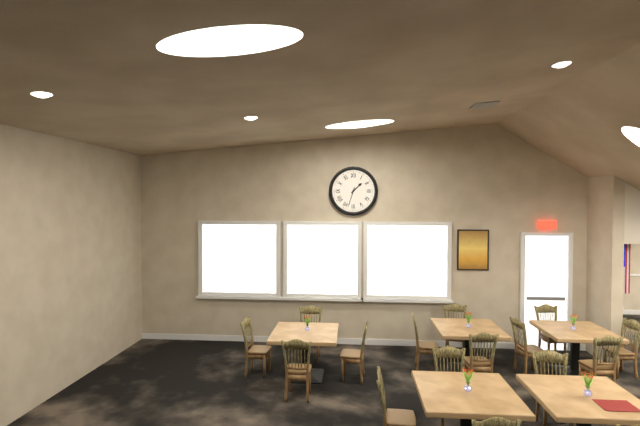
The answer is 1:33
